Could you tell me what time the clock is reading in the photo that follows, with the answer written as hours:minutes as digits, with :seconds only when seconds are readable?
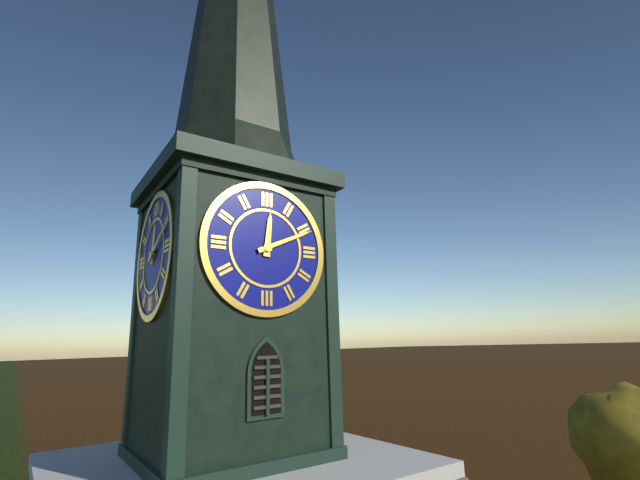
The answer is 12:11
